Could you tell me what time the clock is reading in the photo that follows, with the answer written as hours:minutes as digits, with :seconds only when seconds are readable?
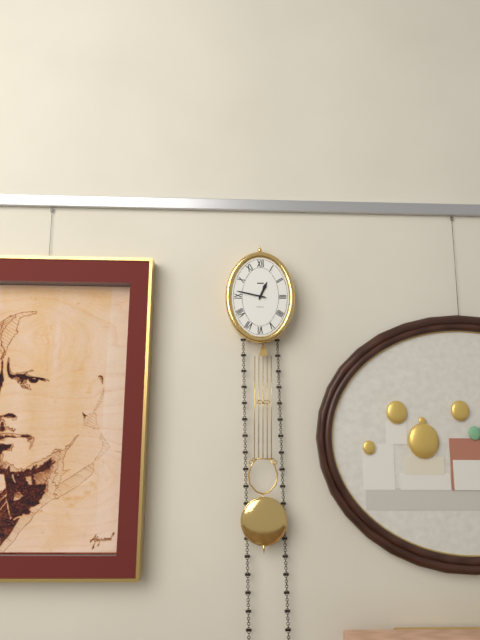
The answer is 12:47
